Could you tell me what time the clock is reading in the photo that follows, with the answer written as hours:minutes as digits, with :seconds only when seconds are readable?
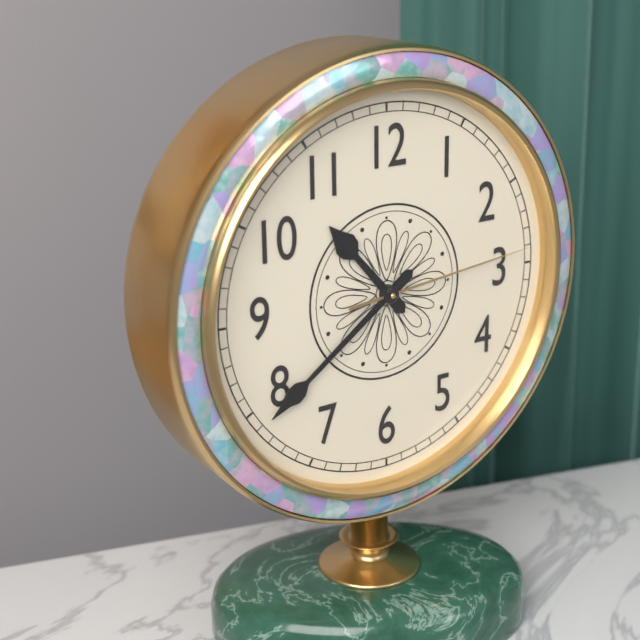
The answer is 10:39:14
